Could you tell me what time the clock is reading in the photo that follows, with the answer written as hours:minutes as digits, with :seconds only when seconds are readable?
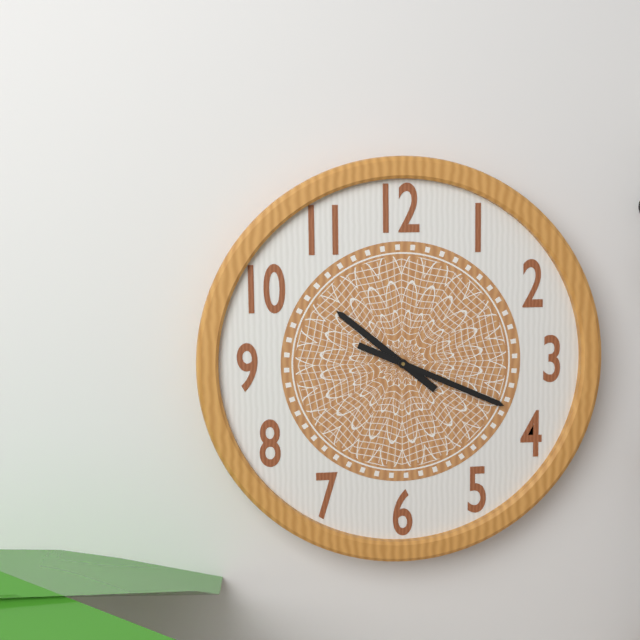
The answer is 10:19
